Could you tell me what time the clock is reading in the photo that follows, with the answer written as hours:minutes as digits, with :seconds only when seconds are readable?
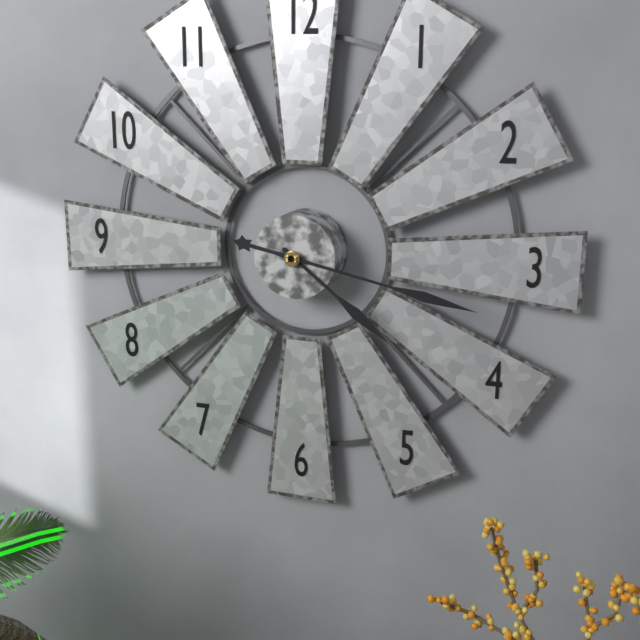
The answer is 4:17
